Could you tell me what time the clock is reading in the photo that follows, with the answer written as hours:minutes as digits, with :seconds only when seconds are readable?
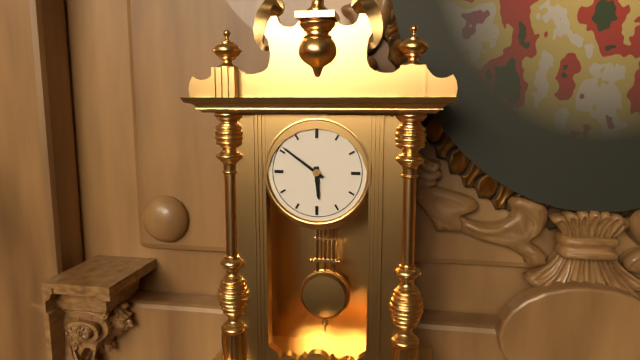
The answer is 5:51
